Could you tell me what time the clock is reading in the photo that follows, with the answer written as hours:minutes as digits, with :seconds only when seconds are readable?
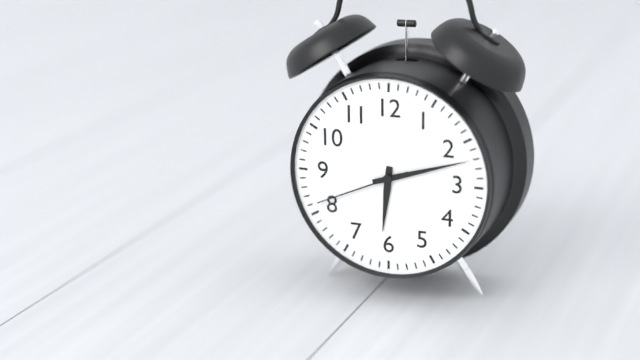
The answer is 6:12:41
